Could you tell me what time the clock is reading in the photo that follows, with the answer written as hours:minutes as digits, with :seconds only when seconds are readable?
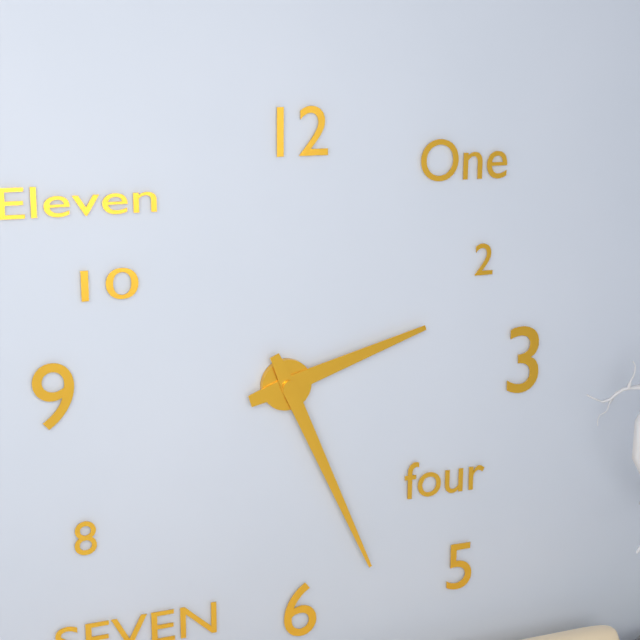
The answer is 2:26
